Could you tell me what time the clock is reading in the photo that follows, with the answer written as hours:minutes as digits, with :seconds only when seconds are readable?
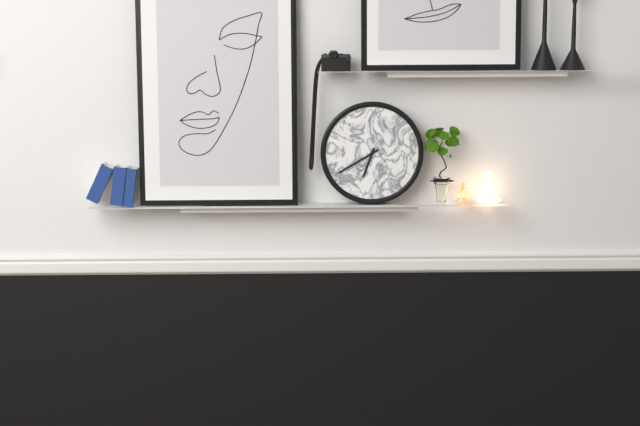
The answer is 6:40
